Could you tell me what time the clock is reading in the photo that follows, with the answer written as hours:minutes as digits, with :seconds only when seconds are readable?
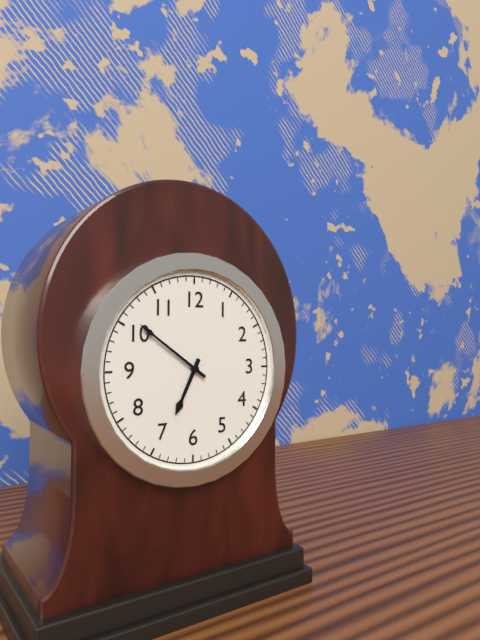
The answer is 6:51
